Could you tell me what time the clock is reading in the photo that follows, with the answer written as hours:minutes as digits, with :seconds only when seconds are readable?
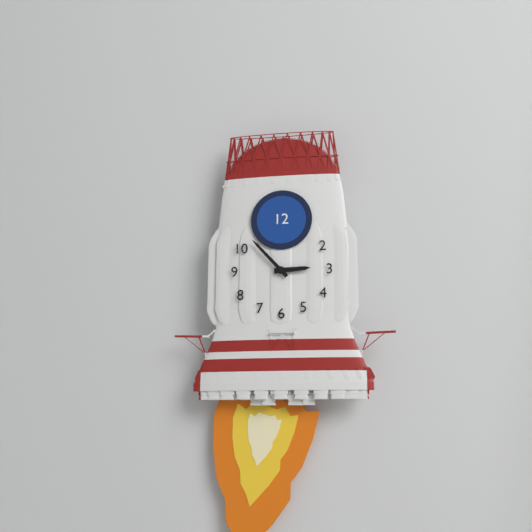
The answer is 2:53
